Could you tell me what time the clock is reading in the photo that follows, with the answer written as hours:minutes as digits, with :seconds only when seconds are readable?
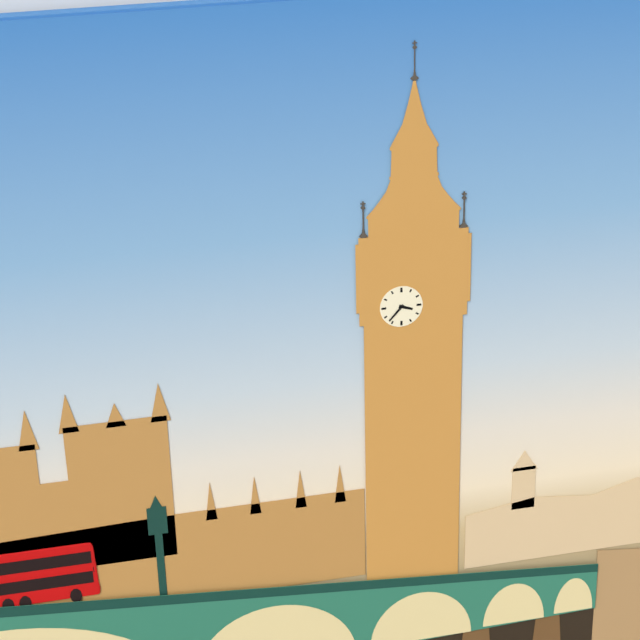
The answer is 3:37
